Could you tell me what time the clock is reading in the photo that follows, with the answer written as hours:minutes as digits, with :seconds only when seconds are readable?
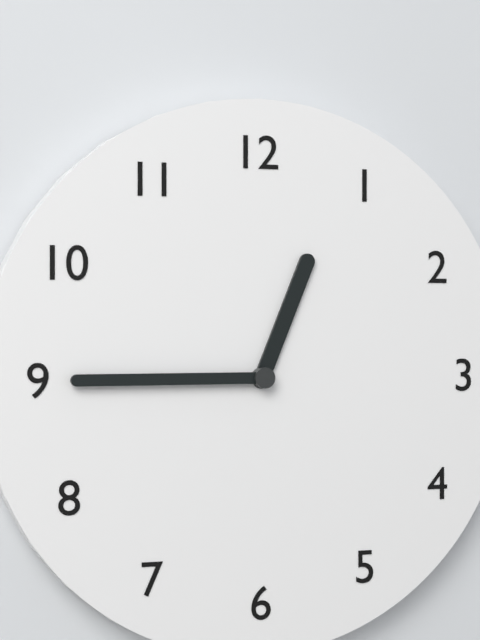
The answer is 12:45
